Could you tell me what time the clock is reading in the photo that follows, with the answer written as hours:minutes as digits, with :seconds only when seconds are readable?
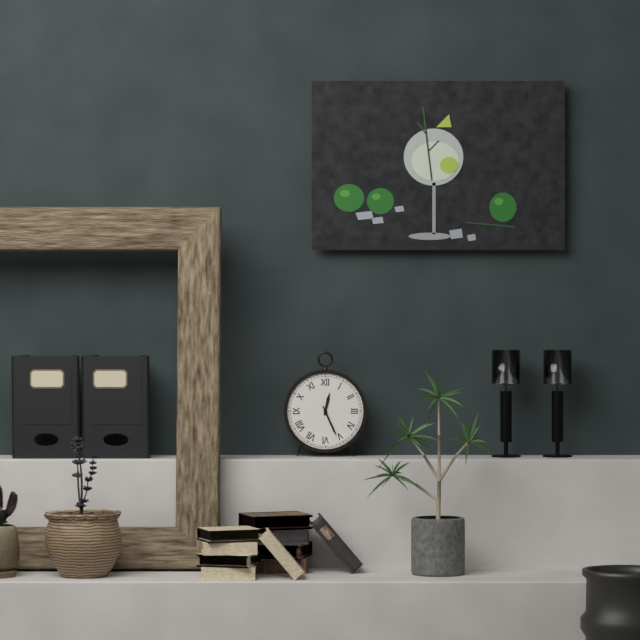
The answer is 12:26
